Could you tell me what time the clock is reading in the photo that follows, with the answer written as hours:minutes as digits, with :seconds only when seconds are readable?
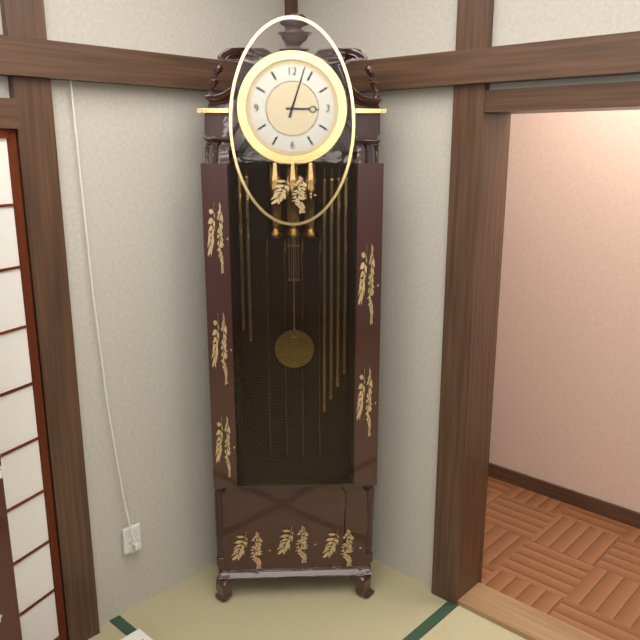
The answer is 3:03
